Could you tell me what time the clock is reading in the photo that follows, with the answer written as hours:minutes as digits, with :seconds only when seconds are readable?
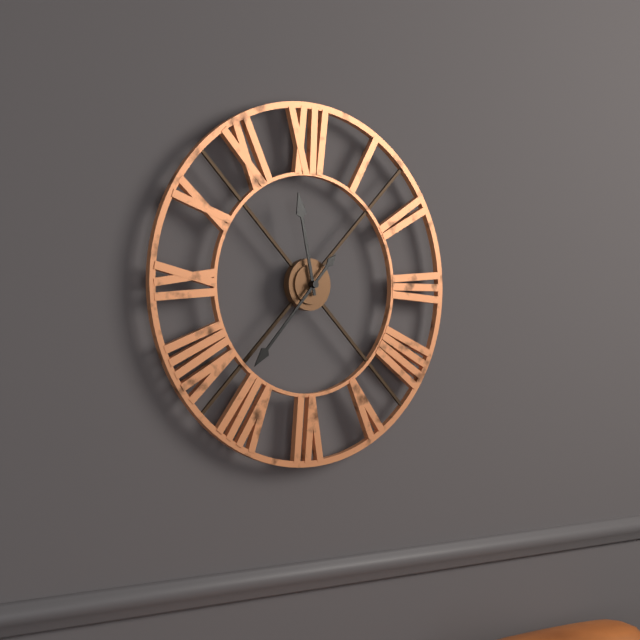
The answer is 11:37
